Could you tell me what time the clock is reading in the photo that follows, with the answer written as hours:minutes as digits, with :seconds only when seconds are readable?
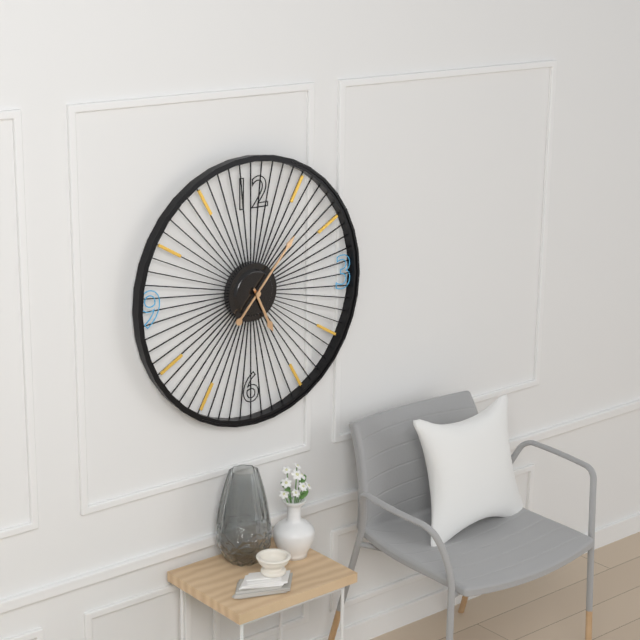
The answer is 5:07
